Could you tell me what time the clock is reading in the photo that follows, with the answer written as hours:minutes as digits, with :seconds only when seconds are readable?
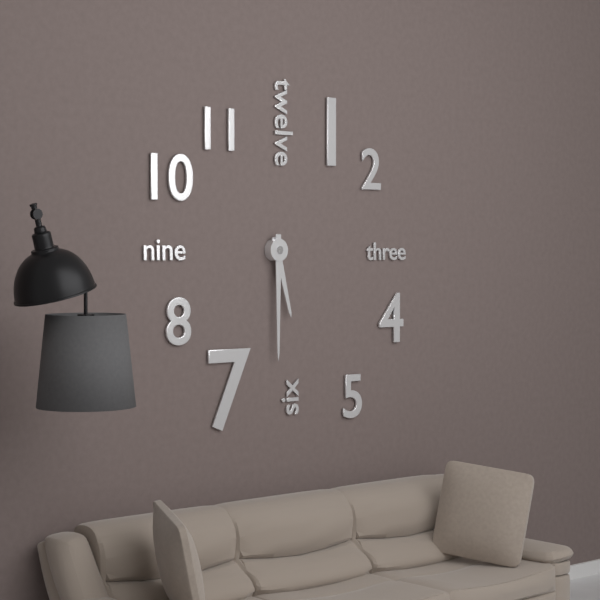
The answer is 5:30
